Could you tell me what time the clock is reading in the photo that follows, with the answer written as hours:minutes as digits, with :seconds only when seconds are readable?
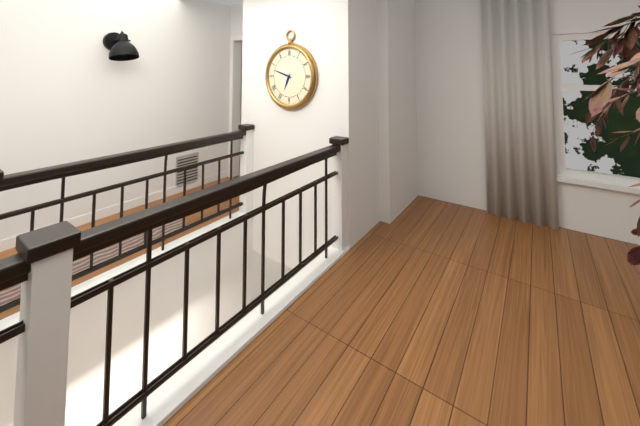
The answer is 6:48
